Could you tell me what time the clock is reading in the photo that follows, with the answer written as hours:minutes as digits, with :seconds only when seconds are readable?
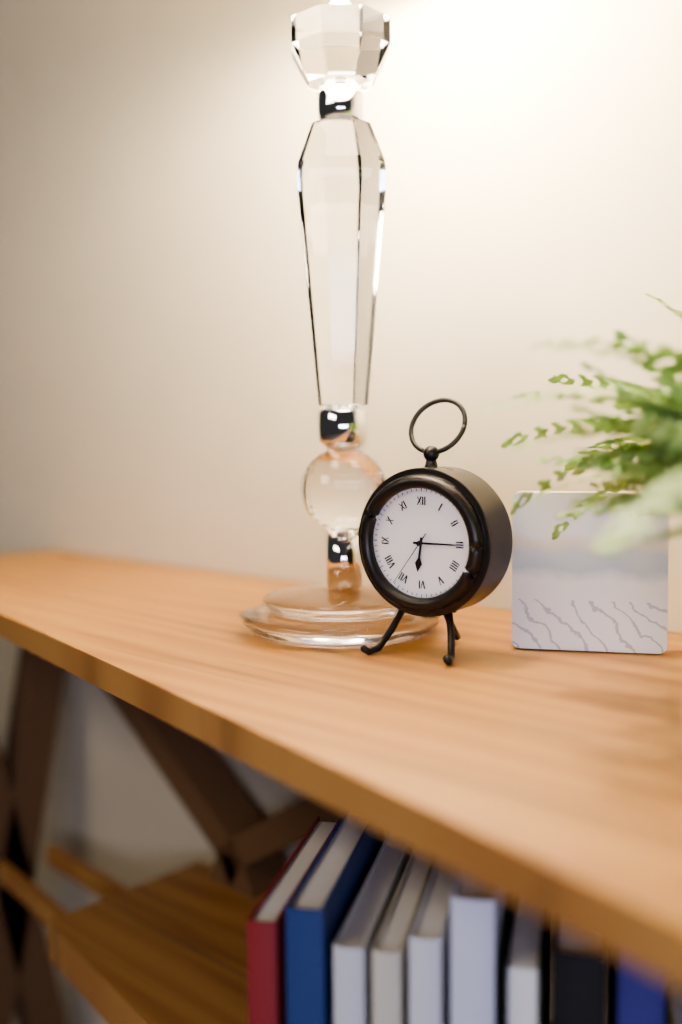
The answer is 6:15:36
